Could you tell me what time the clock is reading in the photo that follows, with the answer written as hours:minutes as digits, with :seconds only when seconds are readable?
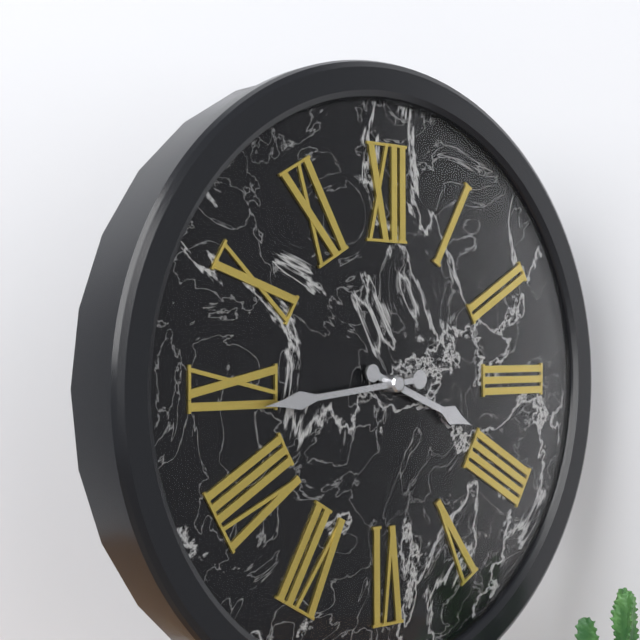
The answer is 3:44
